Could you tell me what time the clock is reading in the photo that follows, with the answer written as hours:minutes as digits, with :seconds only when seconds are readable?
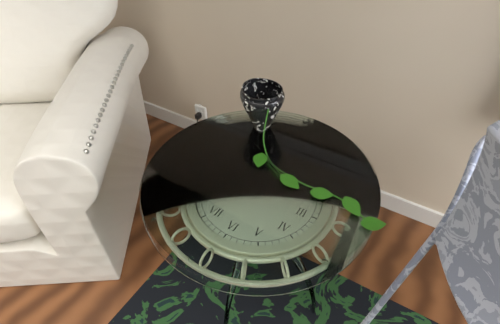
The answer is 9:07
